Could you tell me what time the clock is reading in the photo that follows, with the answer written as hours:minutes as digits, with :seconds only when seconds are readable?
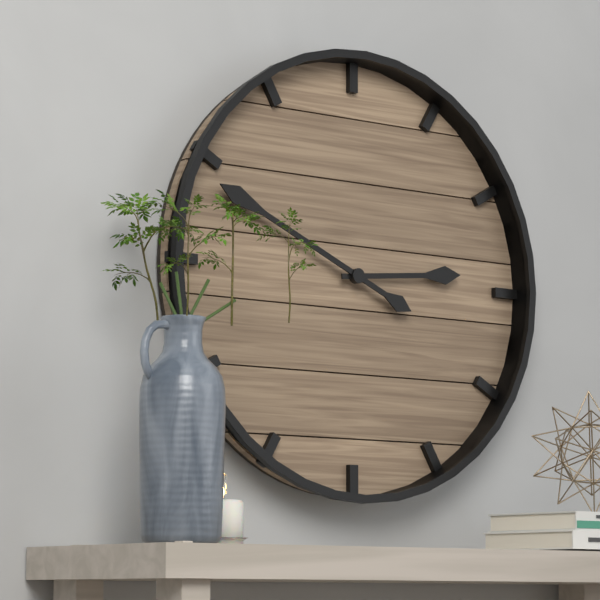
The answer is 2:49
